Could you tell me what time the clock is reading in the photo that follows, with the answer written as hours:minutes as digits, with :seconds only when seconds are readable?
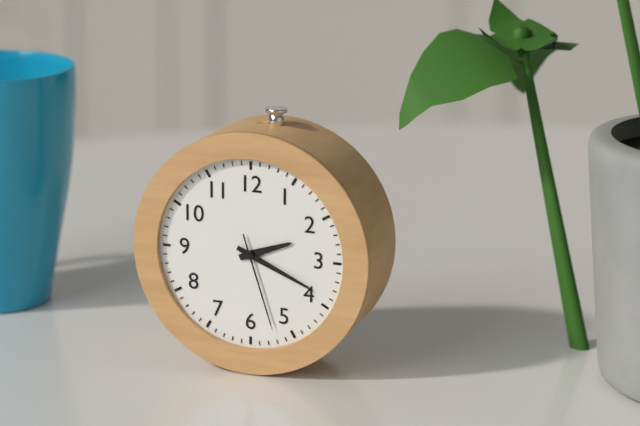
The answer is 2:19:27
